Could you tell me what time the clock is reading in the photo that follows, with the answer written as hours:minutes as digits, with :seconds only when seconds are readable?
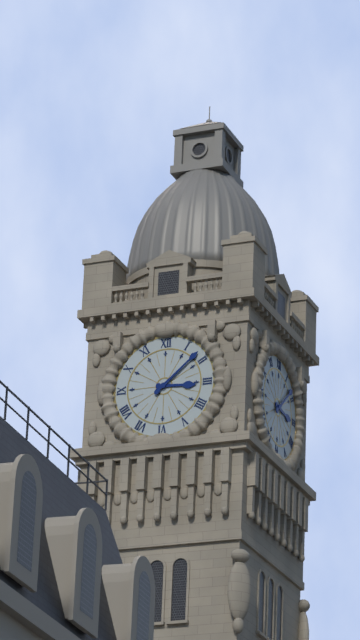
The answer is 3:08
